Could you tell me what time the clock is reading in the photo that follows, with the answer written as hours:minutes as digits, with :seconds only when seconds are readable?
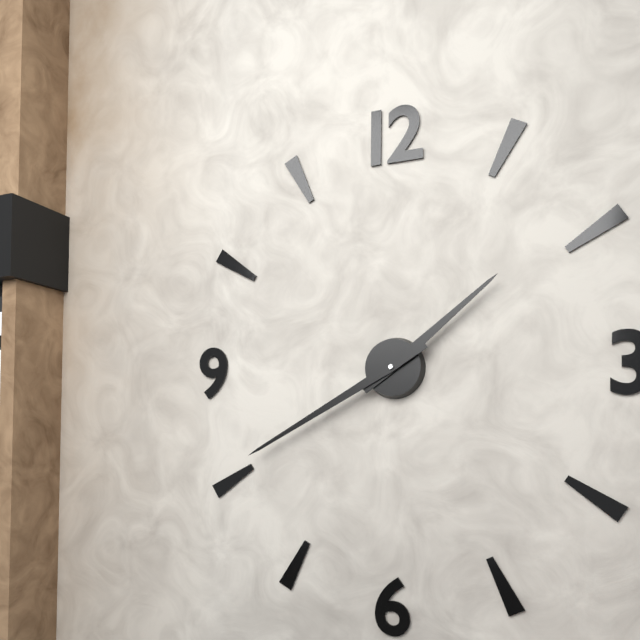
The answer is 1:40
